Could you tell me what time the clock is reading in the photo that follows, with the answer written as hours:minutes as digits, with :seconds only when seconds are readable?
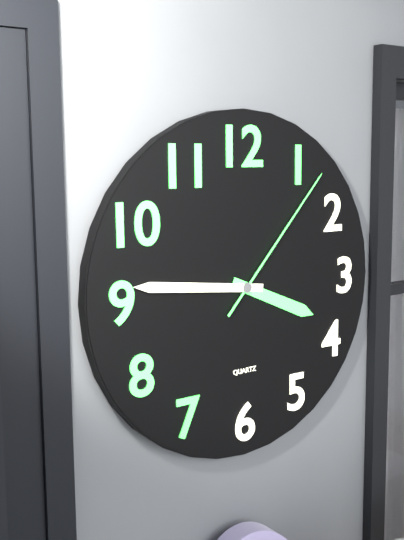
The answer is 3:46:07
